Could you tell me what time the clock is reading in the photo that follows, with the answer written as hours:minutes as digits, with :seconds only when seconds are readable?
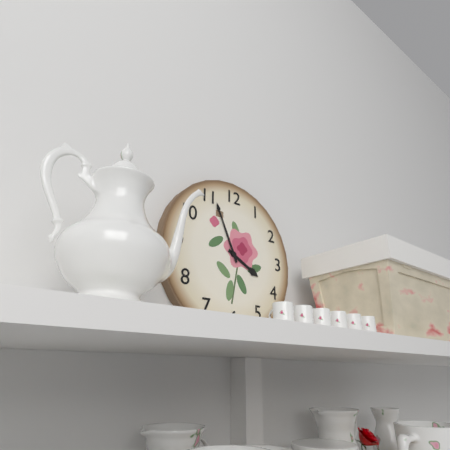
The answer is 3:56
